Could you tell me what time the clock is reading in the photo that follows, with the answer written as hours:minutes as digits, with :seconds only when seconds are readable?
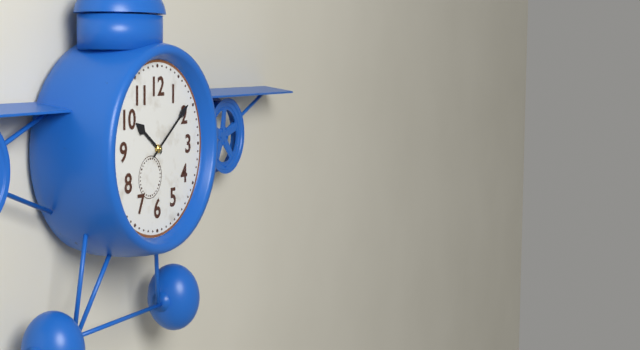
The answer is 10:09
